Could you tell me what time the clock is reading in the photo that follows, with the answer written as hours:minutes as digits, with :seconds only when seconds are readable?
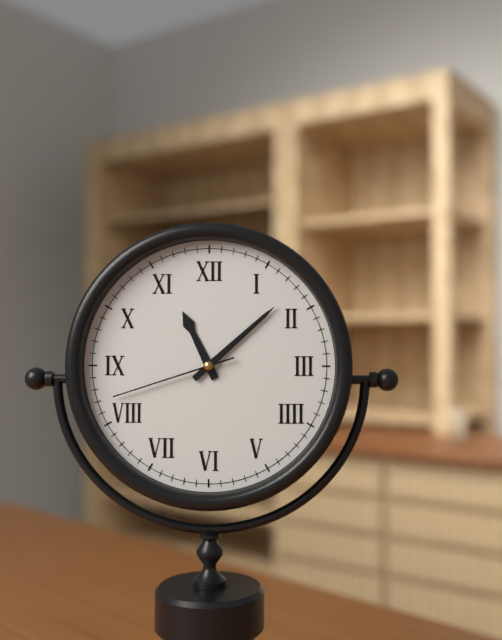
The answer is 11:08:42
